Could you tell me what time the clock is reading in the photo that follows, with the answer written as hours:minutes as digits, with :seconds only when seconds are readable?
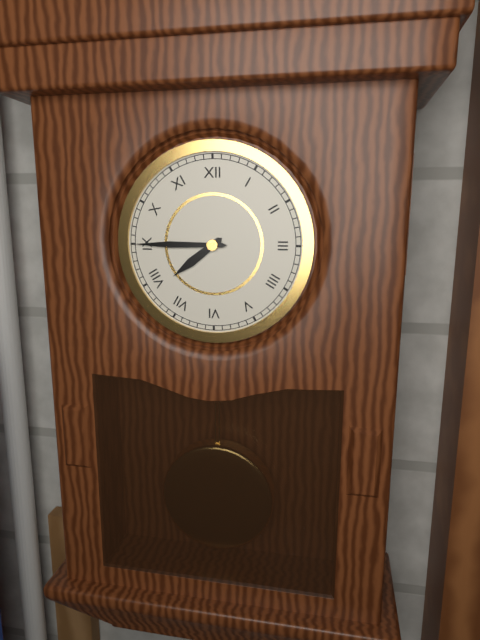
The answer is 7:45
